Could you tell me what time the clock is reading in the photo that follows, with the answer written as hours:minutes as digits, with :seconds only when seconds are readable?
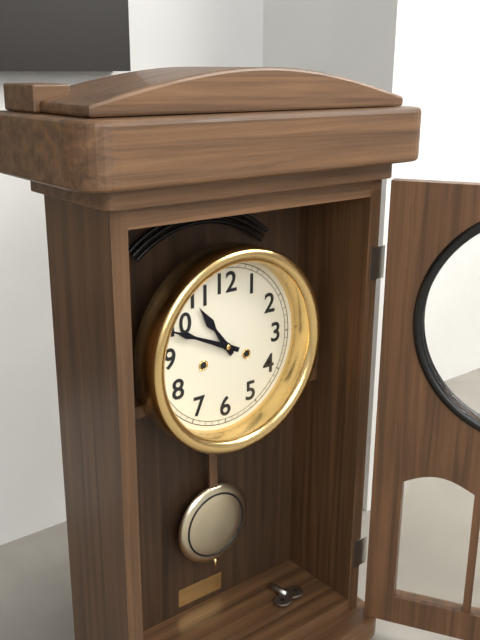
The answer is 10:49
